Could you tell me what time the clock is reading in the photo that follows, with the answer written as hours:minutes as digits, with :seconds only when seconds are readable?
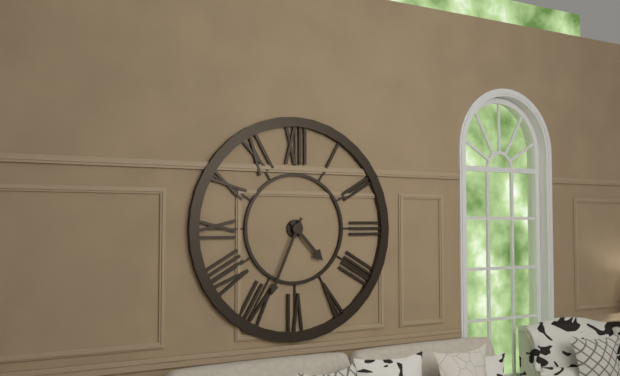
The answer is 4:34
